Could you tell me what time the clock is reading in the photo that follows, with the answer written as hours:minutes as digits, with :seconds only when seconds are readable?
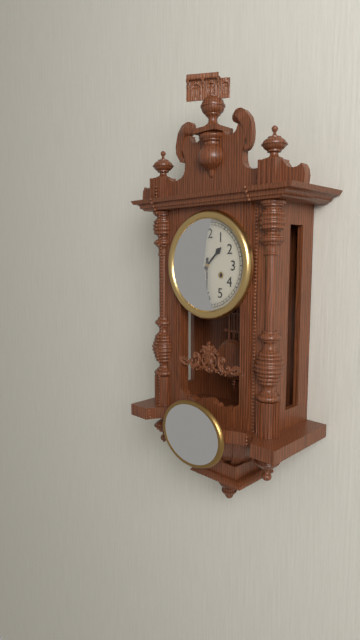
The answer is 1:30
